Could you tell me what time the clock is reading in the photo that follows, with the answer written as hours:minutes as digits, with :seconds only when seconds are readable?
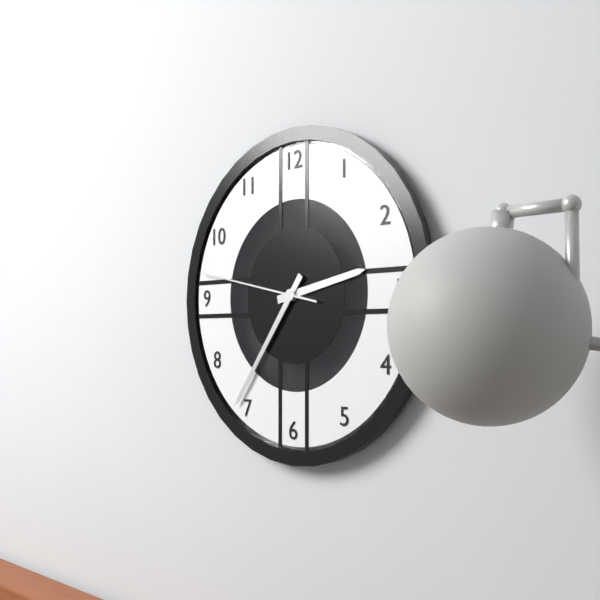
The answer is 2:36:47
